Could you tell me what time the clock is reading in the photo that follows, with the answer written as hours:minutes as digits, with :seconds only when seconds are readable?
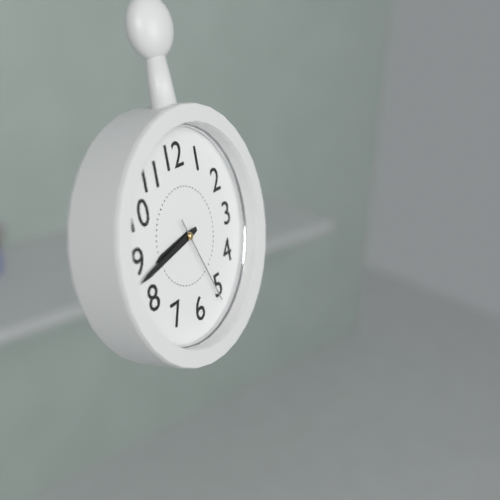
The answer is 8:43:26
